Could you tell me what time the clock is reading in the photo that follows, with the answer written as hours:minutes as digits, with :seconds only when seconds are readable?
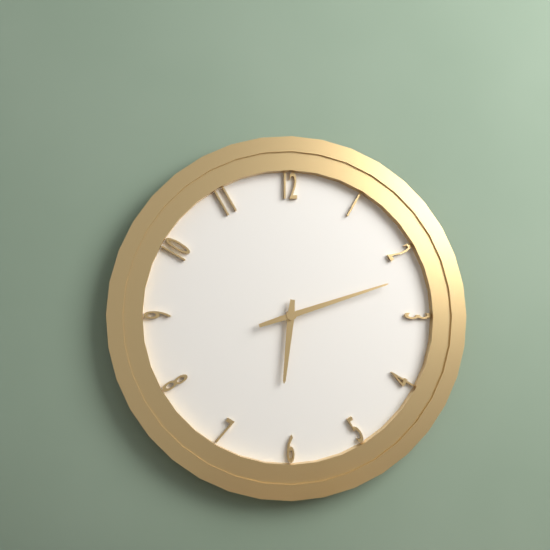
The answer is 6:12
